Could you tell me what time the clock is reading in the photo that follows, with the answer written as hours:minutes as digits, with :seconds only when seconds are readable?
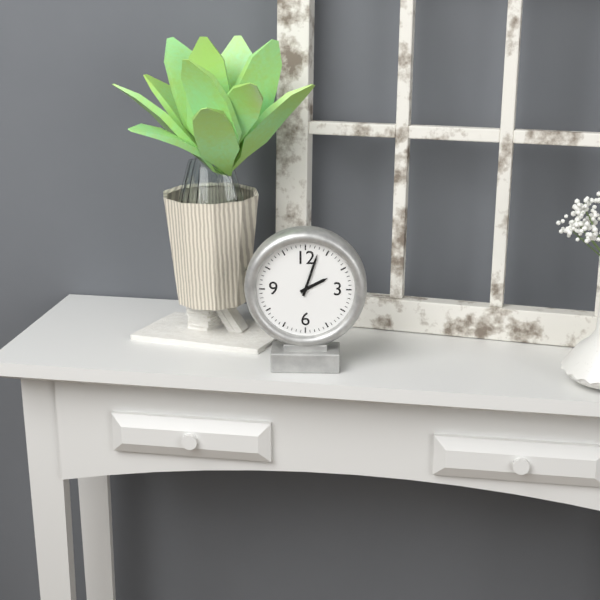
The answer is 2:03
